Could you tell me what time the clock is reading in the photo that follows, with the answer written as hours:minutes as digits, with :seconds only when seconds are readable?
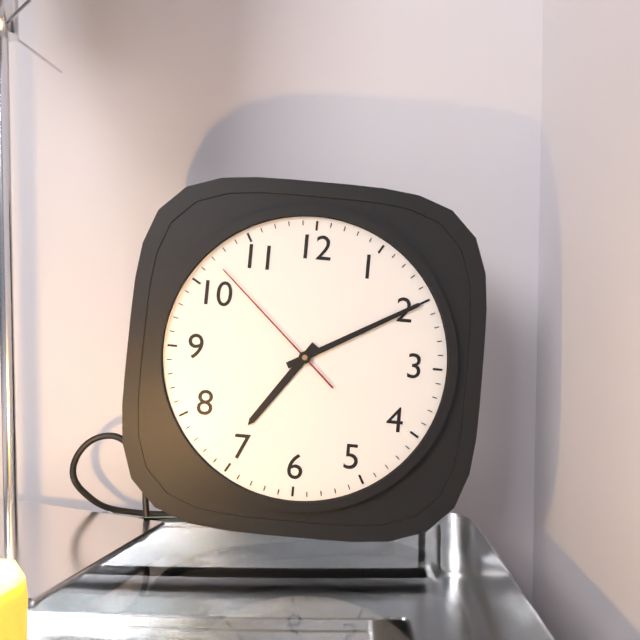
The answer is 7:10:52
